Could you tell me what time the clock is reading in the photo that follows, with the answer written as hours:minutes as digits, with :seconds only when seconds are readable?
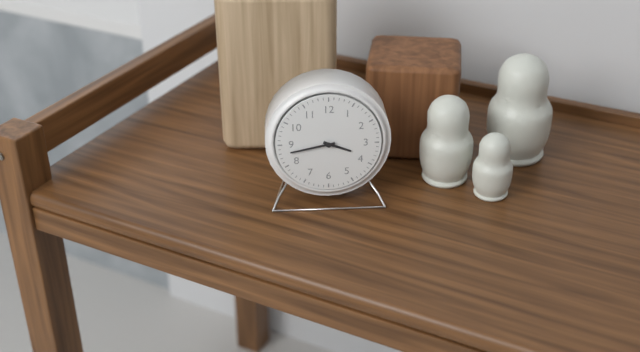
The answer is 3:43
